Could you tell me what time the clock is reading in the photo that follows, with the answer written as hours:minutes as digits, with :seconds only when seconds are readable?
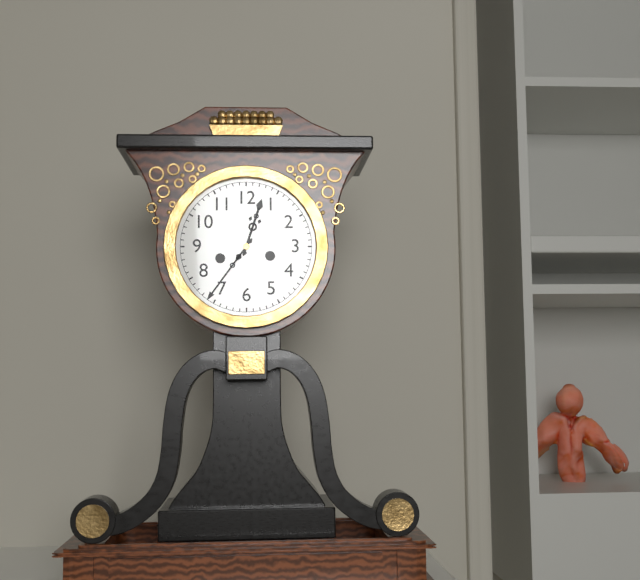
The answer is 12:36
